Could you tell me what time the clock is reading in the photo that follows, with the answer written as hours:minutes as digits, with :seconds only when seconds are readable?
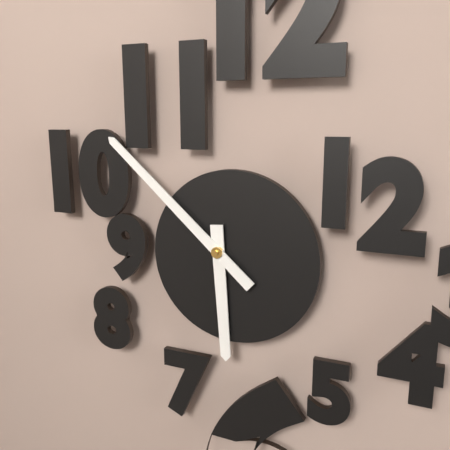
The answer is 5:52
